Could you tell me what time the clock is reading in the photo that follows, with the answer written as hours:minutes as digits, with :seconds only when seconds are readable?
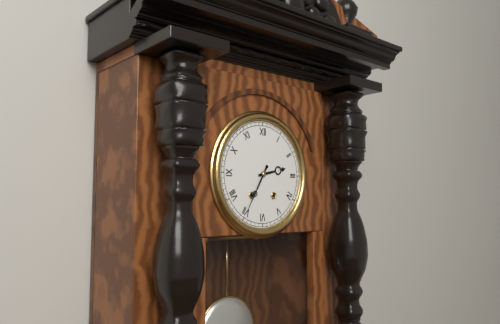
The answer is 2:35
